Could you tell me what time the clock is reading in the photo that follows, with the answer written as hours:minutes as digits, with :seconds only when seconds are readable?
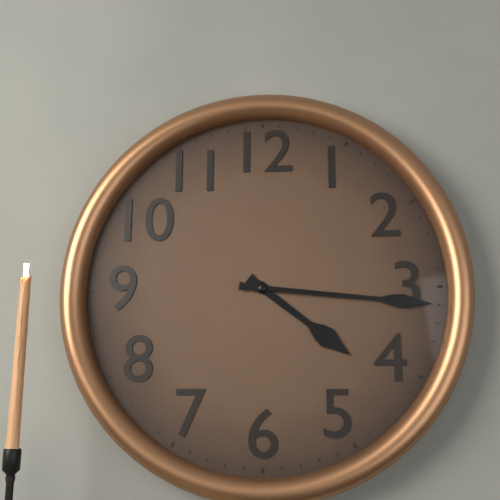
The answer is 4:16
